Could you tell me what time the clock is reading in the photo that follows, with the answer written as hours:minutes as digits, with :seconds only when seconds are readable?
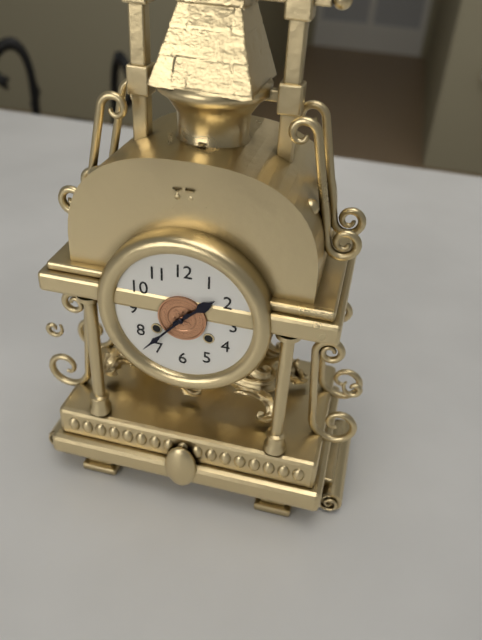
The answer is 1:37
